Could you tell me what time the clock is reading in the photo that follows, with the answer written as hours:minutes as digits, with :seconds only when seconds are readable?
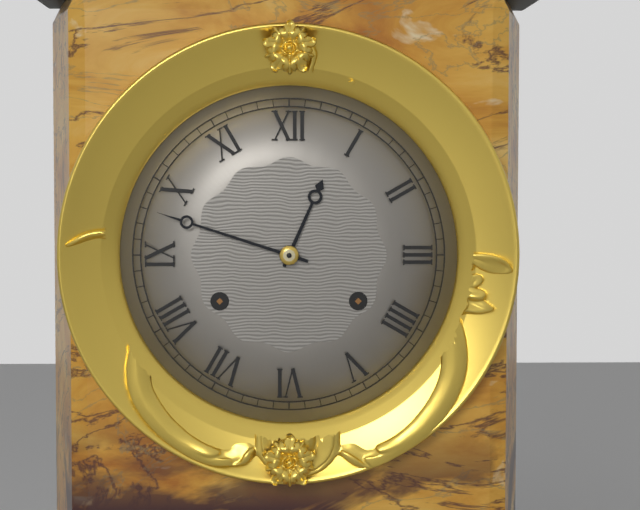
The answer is 12:48
